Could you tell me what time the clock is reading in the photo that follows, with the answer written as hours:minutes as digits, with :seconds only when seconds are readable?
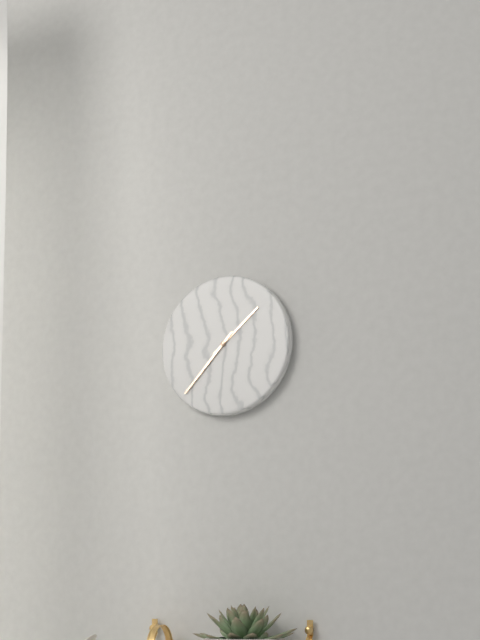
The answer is 1:37
